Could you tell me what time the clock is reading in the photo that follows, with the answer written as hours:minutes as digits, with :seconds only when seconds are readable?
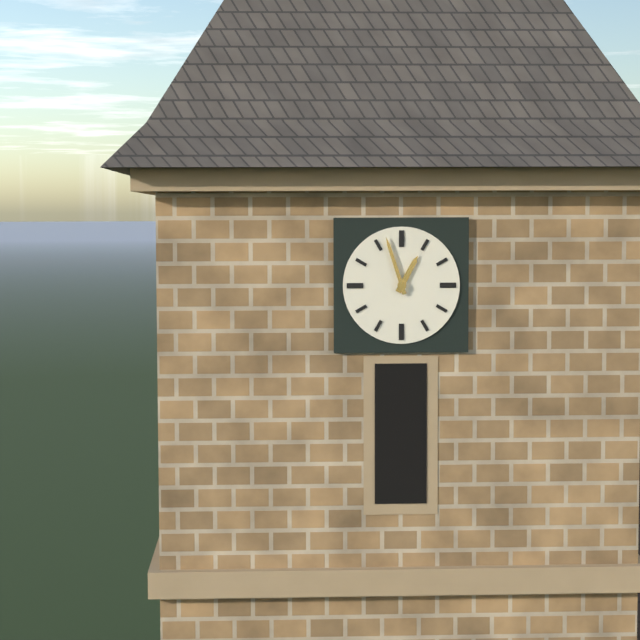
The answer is 12:57
